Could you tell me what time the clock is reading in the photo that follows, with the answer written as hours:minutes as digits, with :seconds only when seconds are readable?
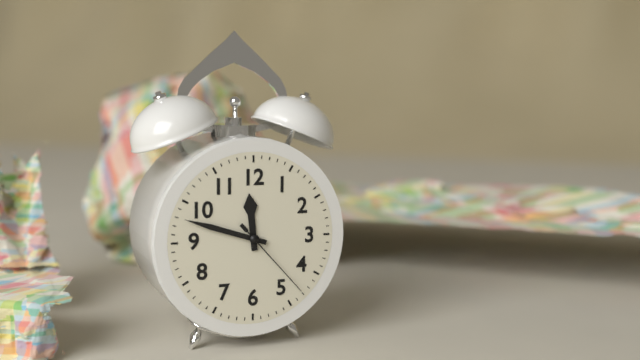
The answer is 11:48:23
